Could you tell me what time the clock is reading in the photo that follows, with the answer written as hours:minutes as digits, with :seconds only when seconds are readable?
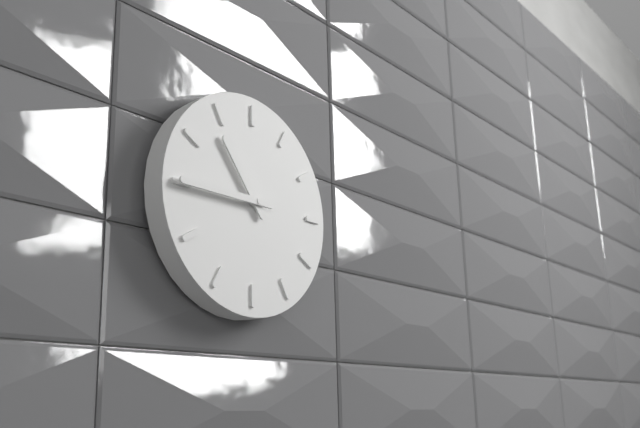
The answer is 10:45
